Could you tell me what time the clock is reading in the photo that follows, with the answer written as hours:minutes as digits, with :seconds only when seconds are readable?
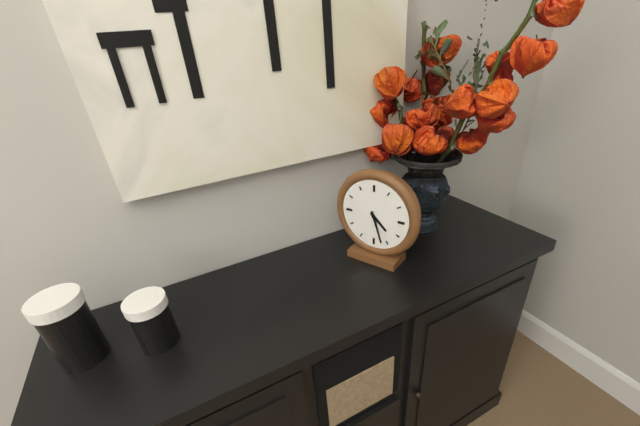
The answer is 4:27
